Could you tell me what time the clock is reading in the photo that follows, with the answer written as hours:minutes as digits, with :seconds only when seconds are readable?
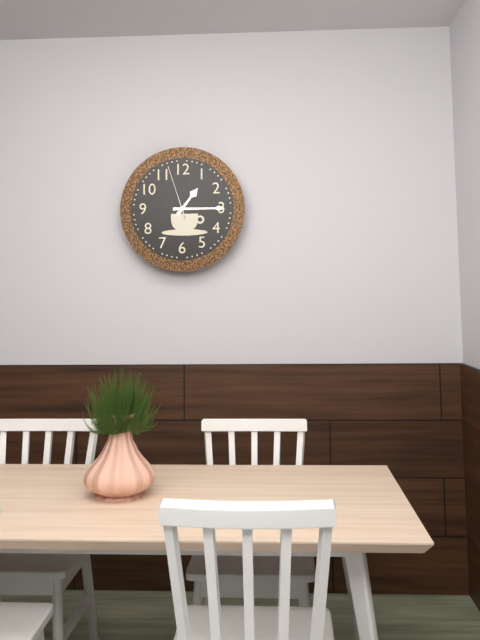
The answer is 1:15:57
